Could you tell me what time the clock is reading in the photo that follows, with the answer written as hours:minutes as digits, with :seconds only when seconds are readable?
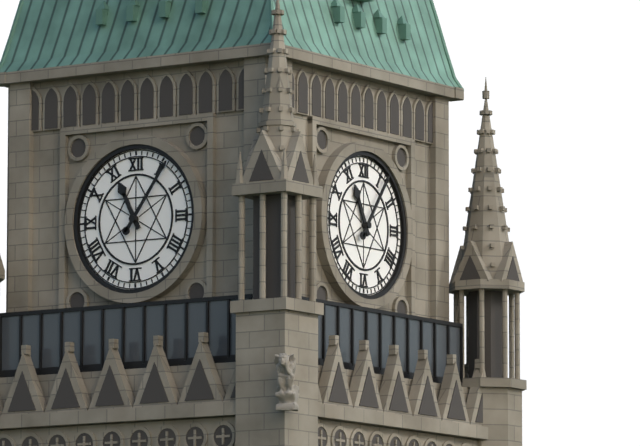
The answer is 11:06
